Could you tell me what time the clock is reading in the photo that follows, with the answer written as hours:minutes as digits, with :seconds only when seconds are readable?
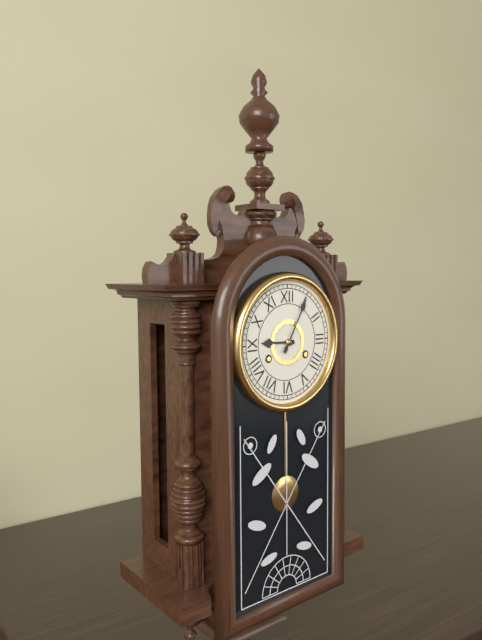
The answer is 9:05
